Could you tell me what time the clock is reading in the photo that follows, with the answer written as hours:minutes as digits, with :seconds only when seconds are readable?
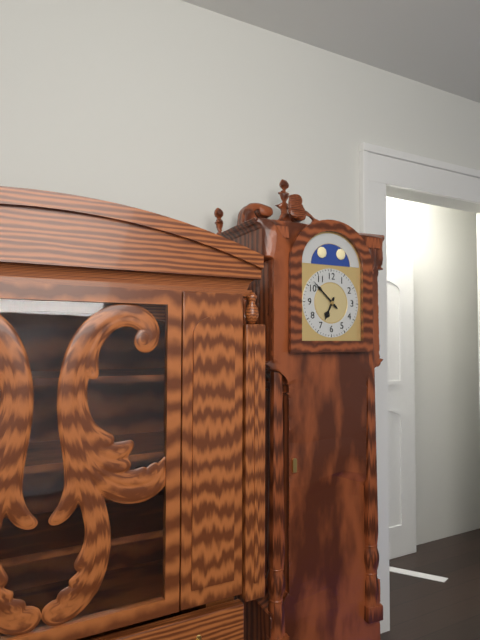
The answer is 6:52
